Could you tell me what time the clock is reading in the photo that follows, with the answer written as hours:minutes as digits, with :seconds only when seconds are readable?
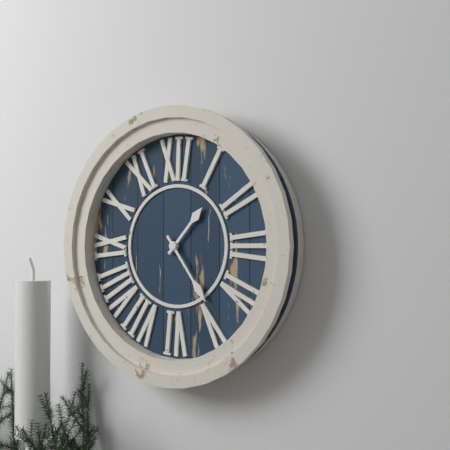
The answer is 1:24
